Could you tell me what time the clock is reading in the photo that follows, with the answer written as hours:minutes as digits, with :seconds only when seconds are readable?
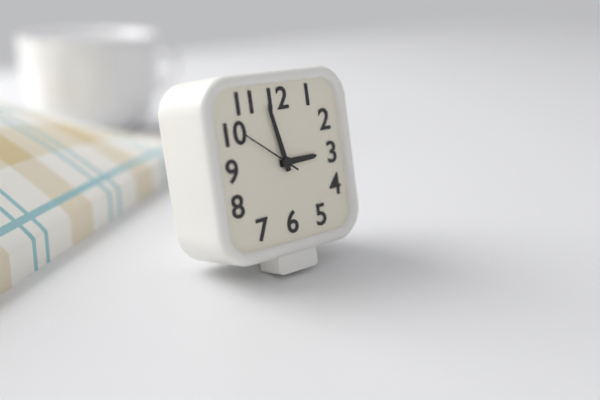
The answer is 2:58:51
